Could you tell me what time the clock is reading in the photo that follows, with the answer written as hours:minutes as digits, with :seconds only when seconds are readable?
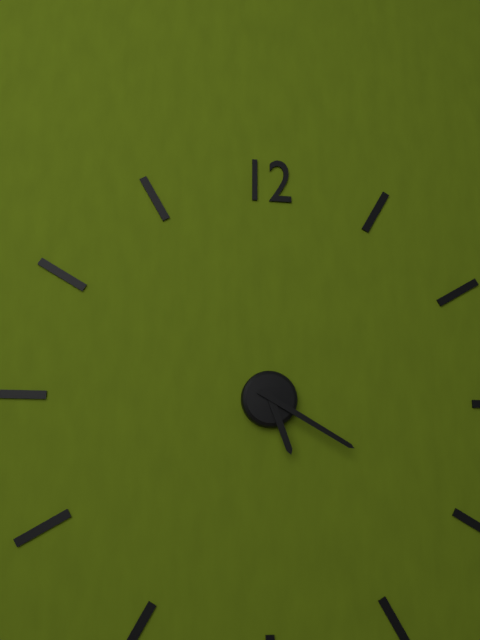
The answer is 5:20
